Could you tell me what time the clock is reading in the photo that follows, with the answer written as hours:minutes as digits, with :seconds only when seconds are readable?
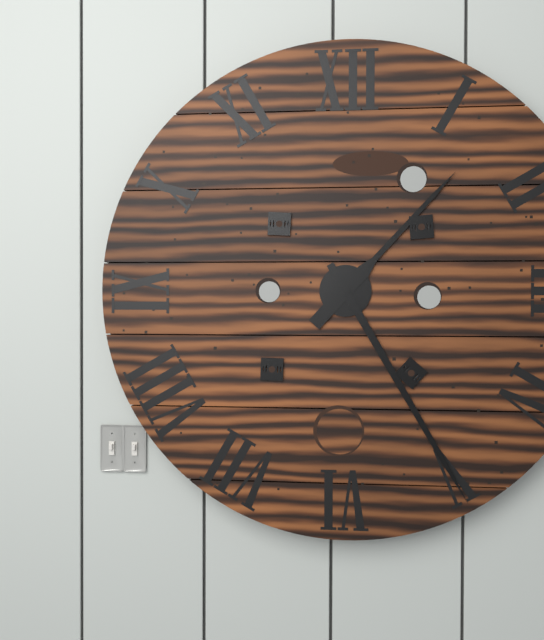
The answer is 1:25
